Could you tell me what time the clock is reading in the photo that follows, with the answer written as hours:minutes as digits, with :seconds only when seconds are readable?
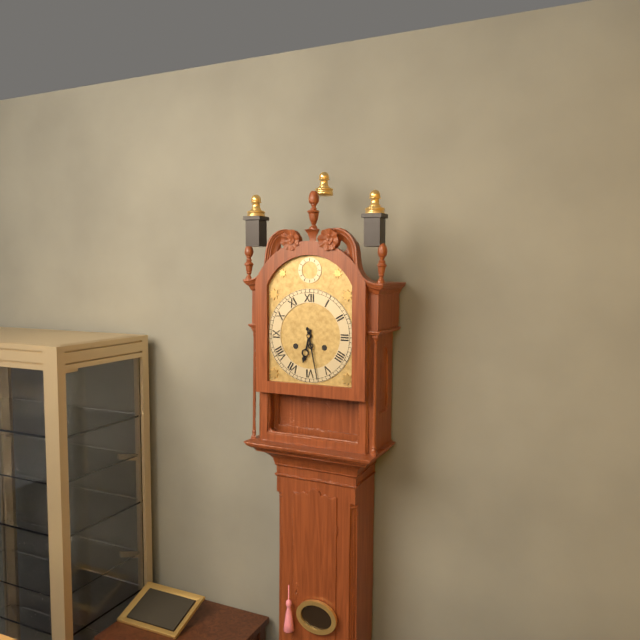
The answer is 6:28
